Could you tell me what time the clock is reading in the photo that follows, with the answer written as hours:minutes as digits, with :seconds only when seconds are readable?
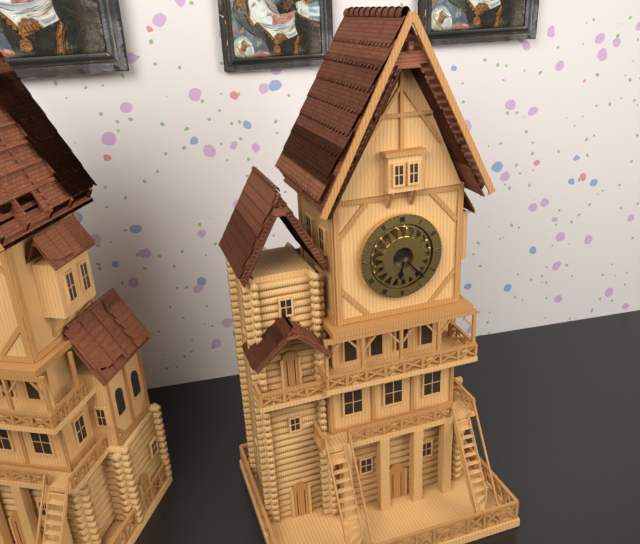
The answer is 6:23
